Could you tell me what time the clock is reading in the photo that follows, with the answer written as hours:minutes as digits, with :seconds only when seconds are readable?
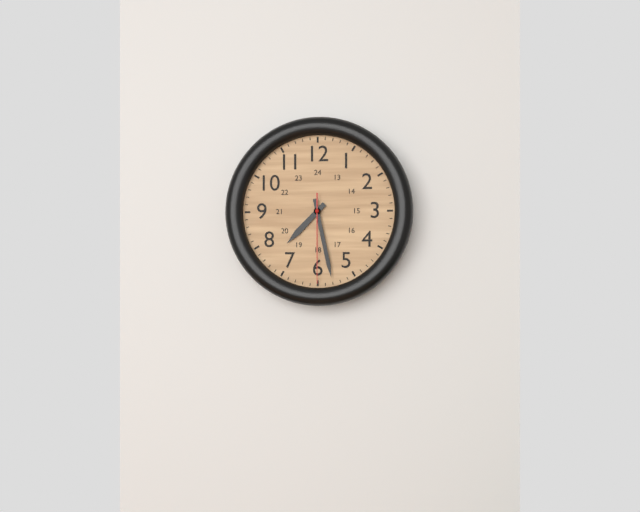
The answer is 7:28:30
